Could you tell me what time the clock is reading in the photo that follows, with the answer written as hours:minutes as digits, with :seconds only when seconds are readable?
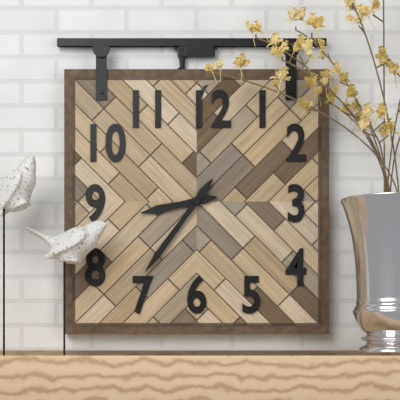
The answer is 8:36
